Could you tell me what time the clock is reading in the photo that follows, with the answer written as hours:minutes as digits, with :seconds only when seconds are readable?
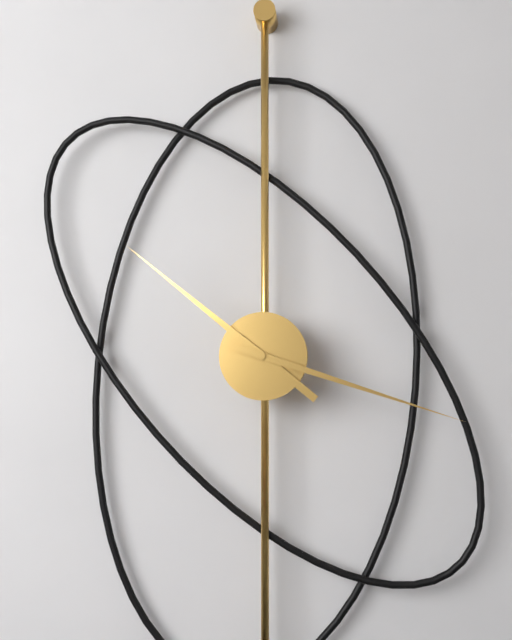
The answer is 10:18
